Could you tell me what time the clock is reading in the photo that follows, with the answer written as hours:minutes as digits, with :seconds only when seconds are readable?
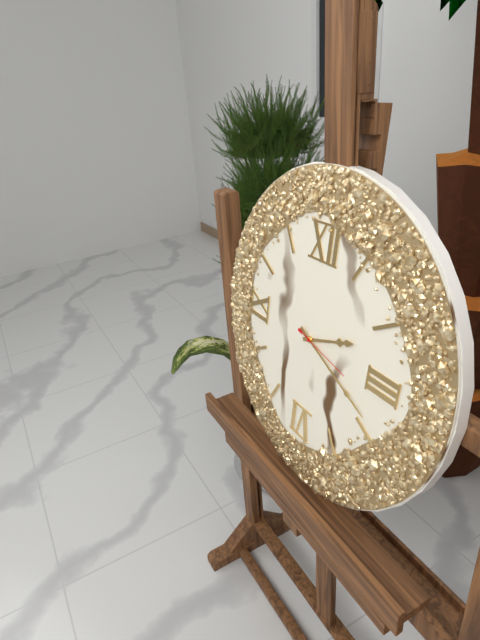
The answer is 2:19:17
